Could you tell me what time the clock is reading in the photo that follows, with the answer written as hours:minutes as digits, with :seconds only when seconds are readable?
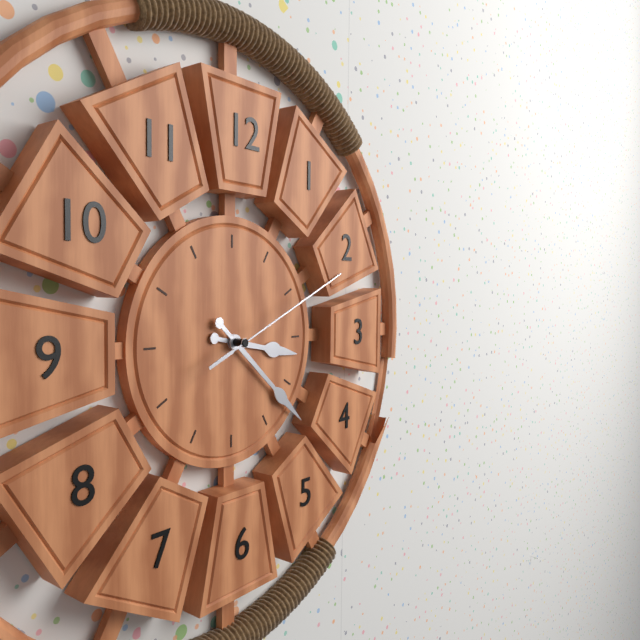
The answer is 3:22:11
